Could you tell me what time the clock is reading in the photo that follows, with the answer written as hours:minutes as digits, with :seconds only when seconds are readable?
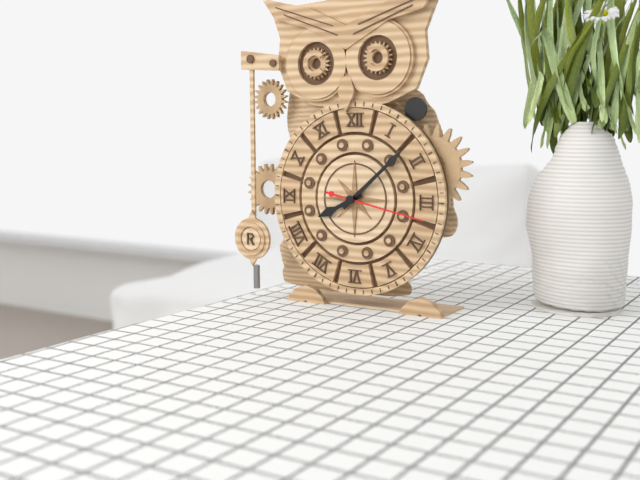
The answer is 8:08:17
